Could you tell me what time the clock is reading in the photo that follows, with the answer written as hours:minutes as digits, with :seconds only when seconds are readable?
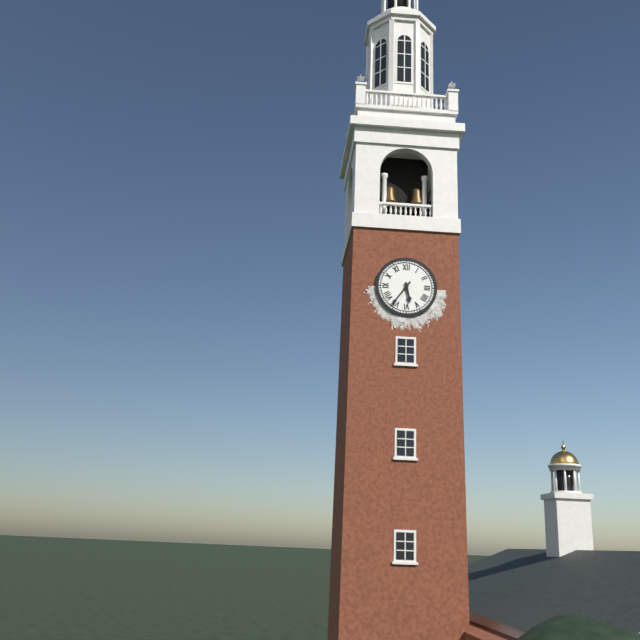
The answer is 5:36
